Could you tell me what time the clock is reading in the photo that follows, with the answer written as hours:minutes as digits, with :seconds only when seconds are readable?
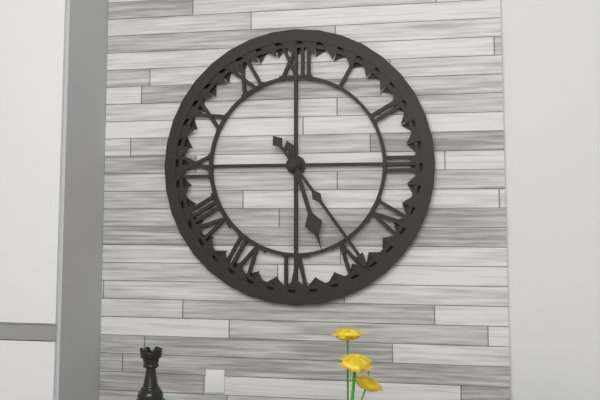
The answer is 5:24
